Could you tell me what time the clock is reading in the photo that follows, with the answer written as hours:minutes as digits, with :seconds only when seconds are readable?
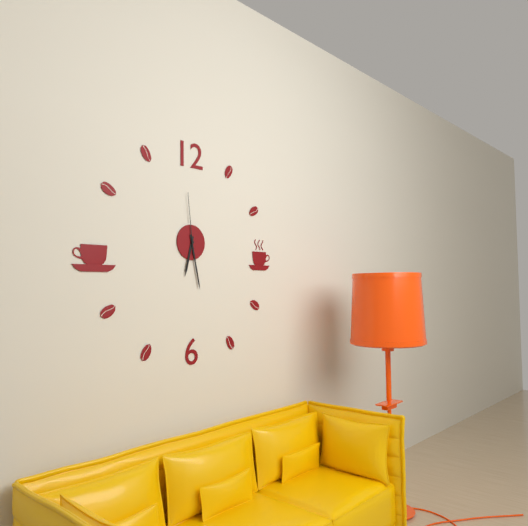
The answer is 6:28:59
